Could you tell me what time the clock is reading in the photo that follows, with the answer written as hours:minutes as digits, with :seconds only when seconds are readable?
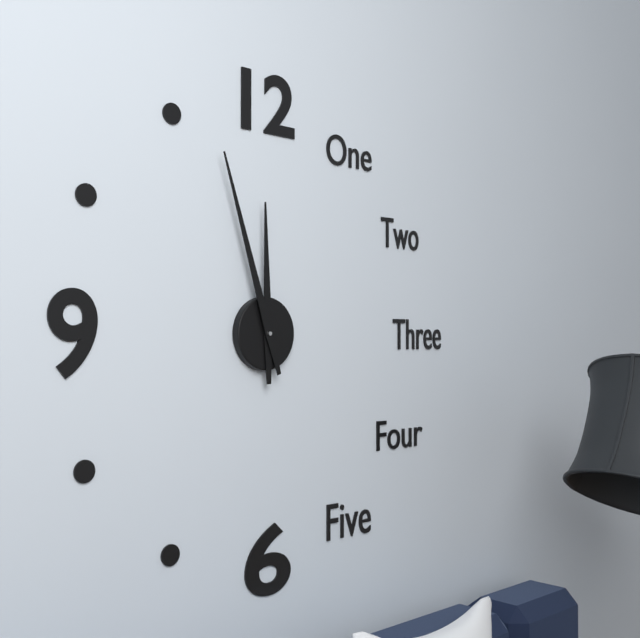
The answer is 11:57
